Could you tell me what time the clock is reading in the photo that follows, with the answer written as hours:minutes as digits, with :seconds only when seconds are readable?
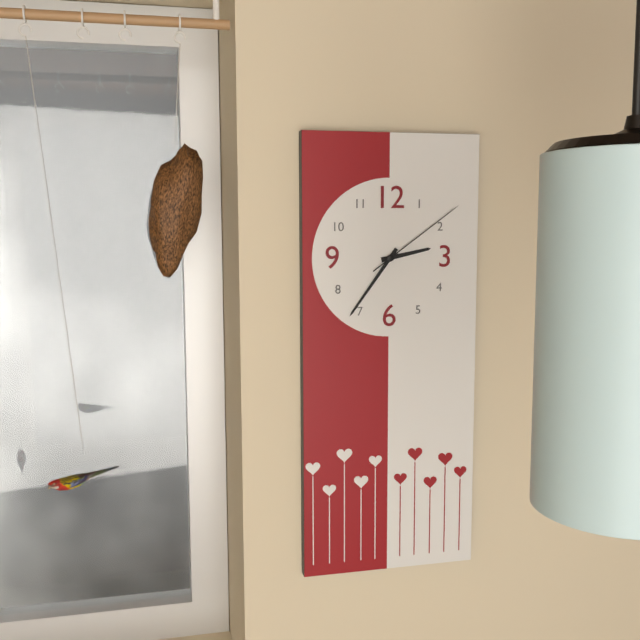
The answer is 2:36:09
